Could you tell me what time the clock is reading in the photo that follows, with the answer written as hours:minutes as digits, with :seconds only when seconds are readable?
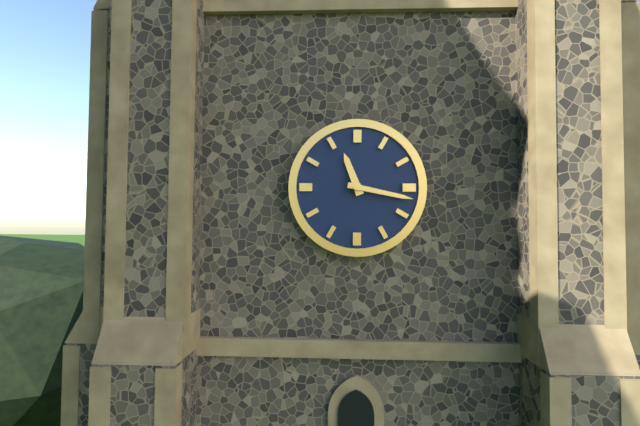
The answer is 11:17
